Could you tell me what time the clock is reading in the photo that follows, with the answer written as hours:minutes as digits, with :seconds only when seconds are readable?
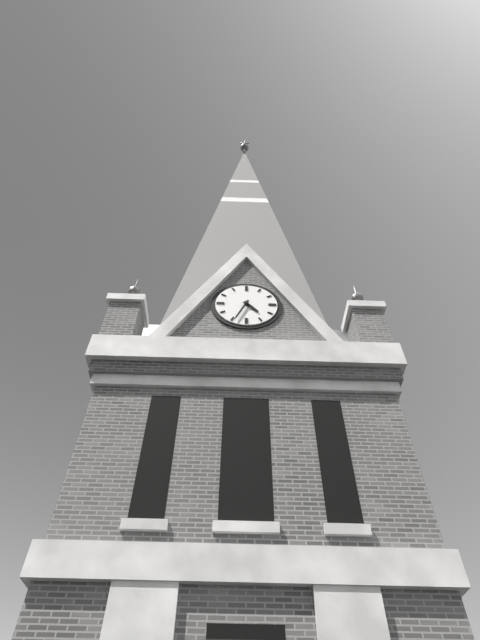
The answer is 4:34
